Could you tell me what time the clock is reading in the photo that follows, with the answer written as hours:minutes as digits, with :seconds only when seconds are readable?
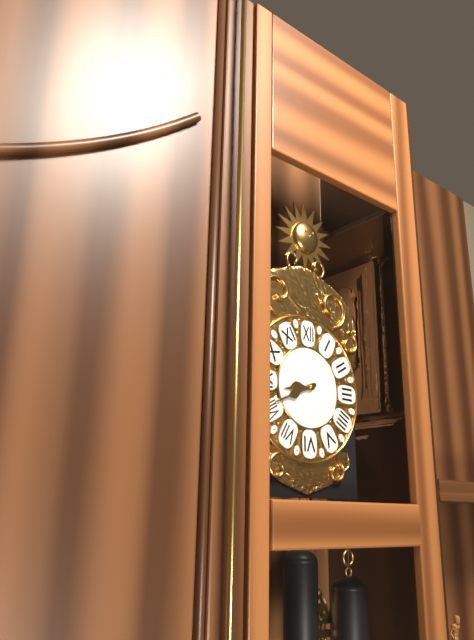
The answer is 8:41
